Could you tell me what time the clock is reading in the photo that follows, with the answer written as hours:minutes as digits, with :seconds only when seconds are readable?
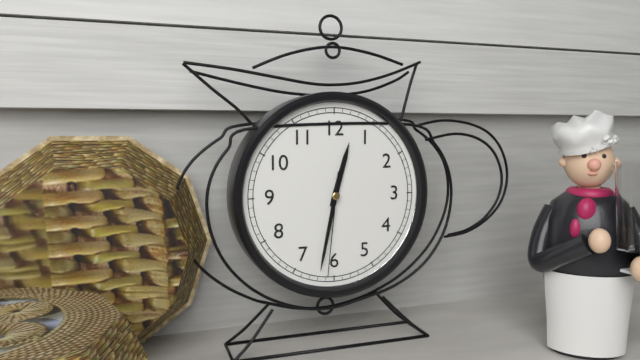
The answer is 12:32:31
